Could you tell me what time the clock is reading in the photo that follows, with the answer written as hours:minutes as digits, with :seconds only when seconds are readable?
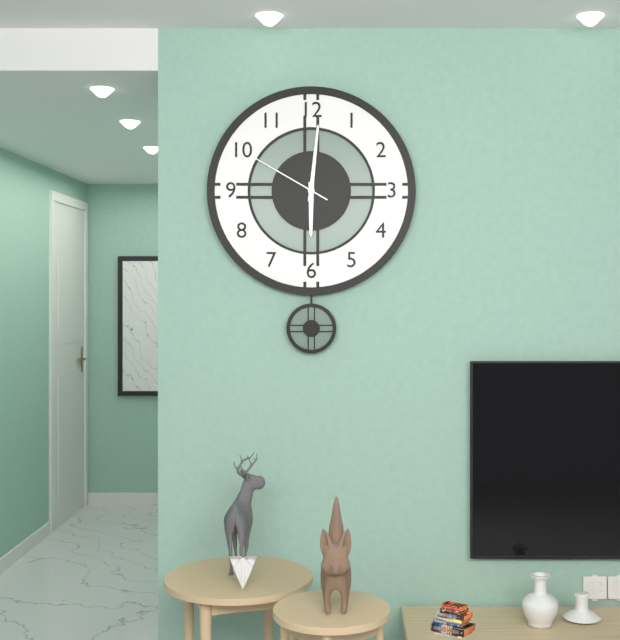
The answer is 6:01:50
